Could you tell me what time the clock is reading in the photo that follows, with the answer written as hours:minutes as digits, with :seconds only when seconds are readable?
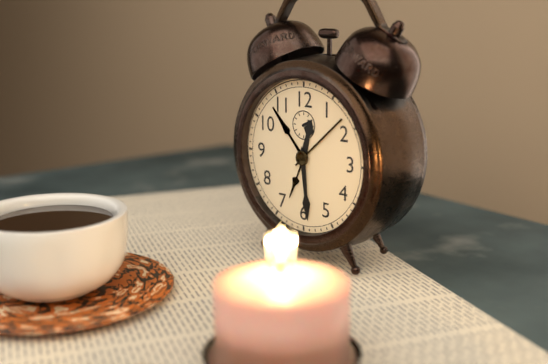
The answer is 12:29
